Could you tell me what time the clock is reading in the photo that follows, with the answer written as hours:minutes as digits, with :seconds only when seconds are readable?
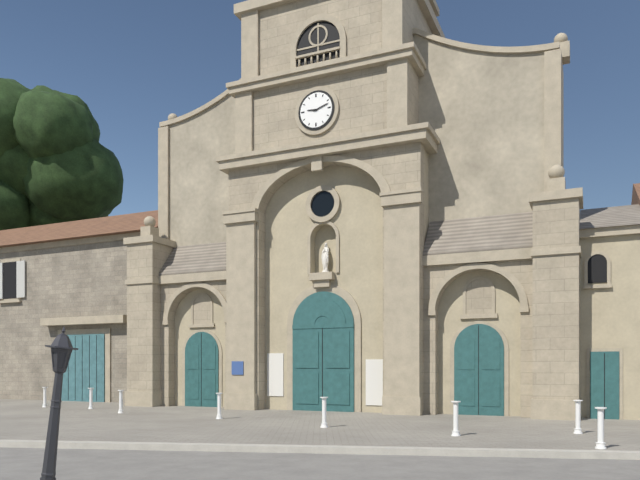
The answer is 9:12
